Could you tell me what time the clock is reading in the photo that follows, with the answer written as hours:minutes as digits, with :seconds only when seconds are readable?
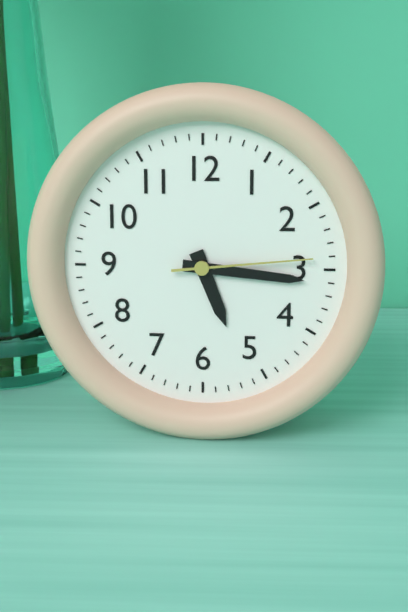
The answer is 5:16:14
